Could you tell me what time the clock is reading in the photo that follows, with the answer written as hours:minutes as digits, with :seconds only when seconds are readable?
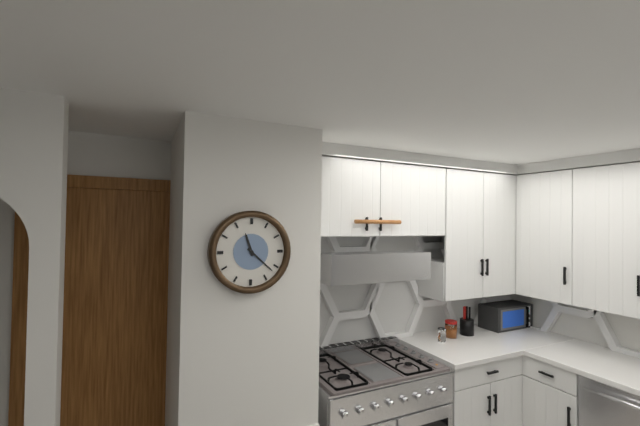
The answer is 11:22
